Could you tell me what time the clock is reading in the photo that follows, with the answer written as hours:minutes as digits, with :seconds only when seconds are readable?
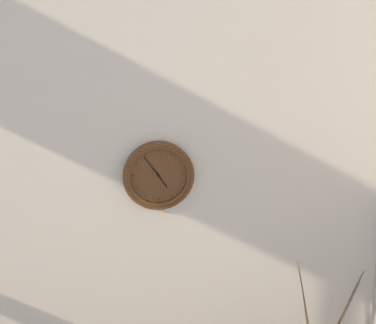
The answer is 4:54
